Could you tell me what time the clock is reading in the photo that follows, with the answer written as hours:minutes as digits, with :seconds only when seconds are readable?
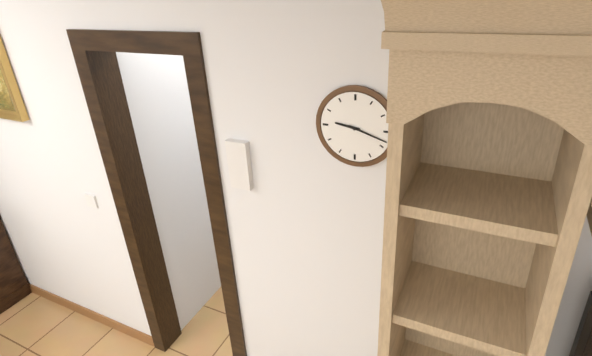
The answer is 9:18
